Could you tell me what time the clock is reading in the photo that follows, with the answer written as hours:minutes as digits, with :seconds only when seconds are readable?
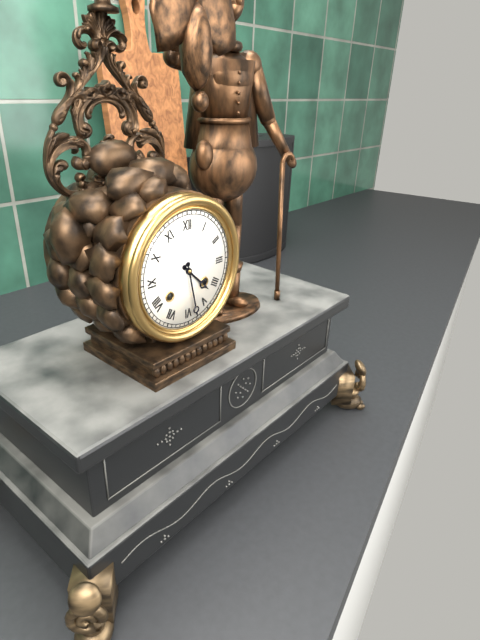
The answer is 4:28
